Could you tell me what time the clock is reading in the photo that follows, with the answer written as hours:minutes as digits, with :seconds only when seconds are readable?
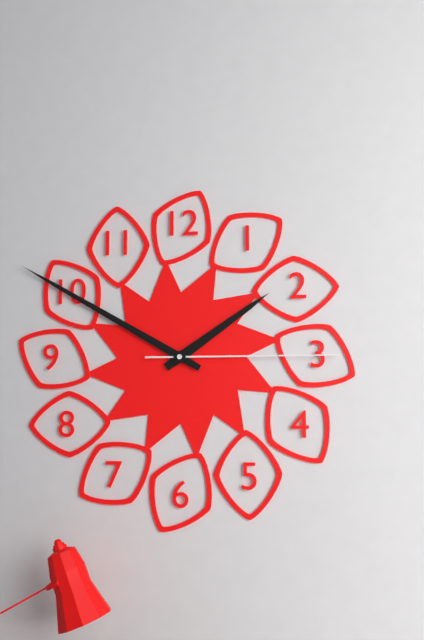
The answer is 1:50:15
